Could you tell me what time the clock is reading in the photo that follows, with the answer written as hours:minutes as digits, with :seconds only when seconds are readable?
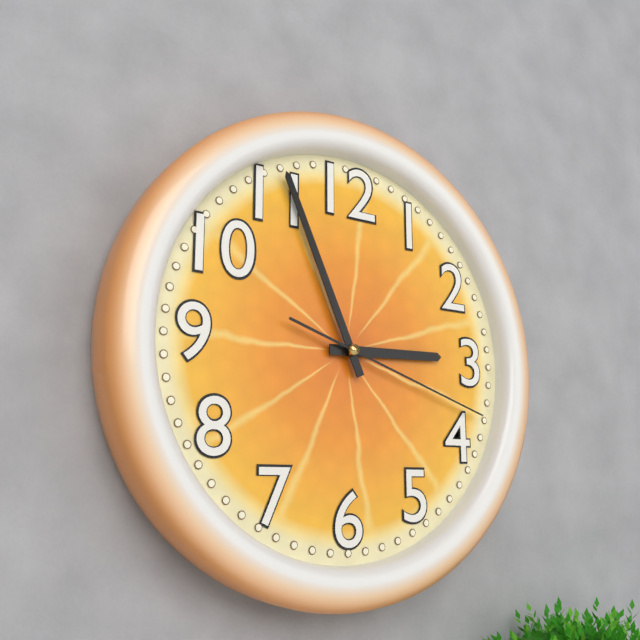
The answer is 2:56:18
